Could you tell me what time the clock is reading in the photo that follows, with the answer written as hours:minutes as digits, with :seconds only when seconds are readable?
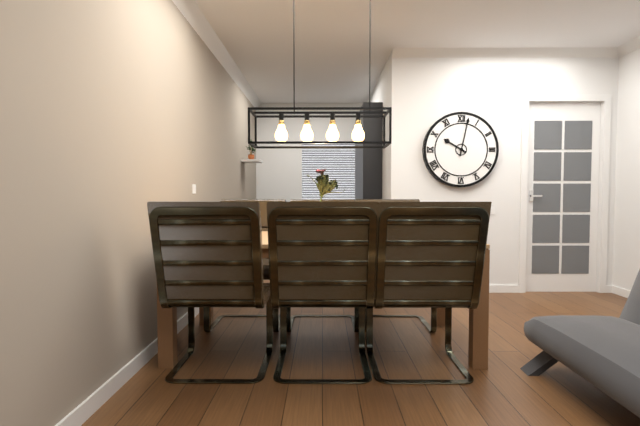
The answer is 10:02
